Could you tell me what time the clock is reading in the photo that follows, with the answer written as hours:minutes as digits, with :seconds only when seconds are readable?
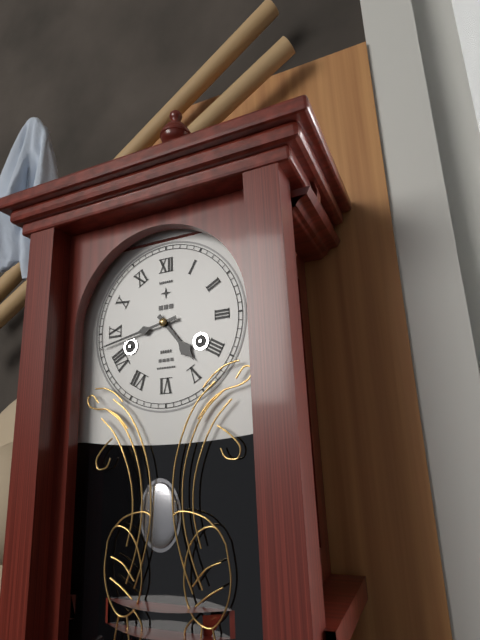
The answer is 4:43
